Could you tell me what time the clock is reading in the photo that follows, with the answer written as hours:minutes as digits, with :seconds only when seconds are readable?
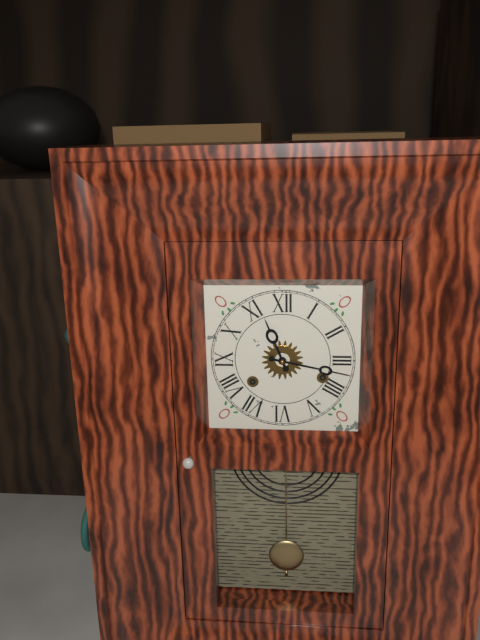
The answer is 11:17
